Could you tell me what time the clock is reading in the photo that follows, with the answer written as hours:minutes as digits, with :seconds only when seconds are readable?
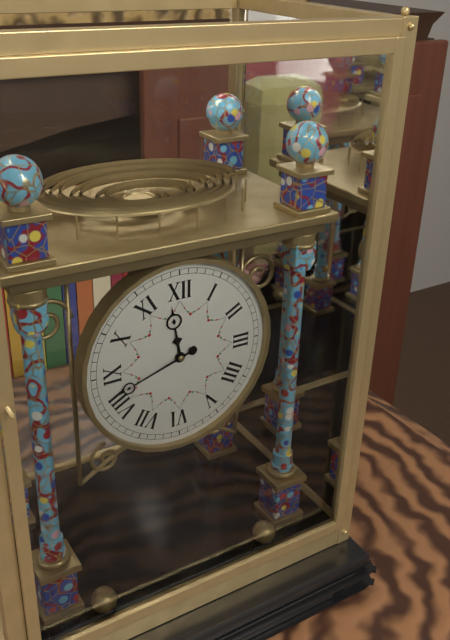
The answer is 11:42
